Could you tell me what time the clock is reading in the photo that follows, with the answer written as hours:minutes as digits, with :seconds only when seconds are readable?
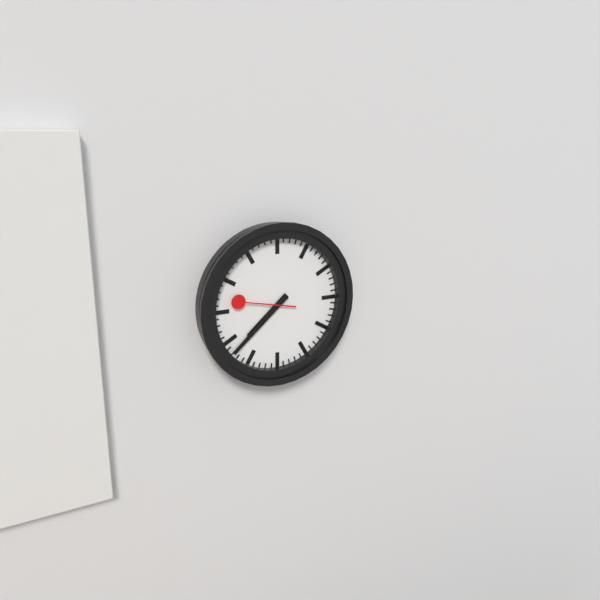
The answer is 7:38:47
